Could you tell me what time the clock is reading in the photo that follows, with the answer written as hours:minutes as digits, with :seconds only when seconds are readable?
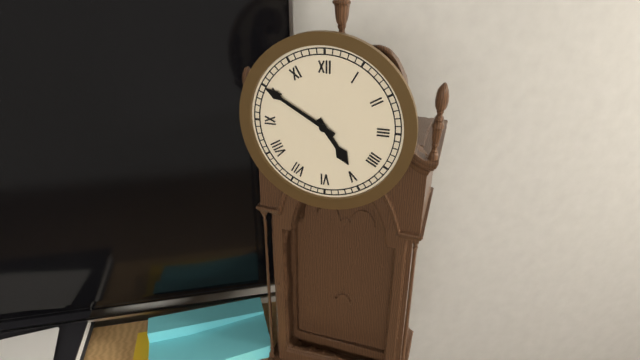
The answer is 4:50
